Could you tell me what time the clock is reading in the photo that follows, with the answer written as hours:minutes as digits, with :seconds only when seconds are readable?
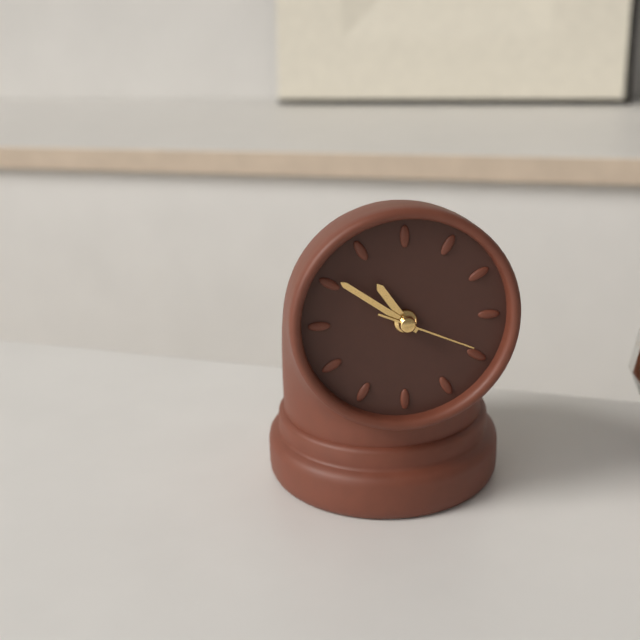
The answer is 10:51:19
